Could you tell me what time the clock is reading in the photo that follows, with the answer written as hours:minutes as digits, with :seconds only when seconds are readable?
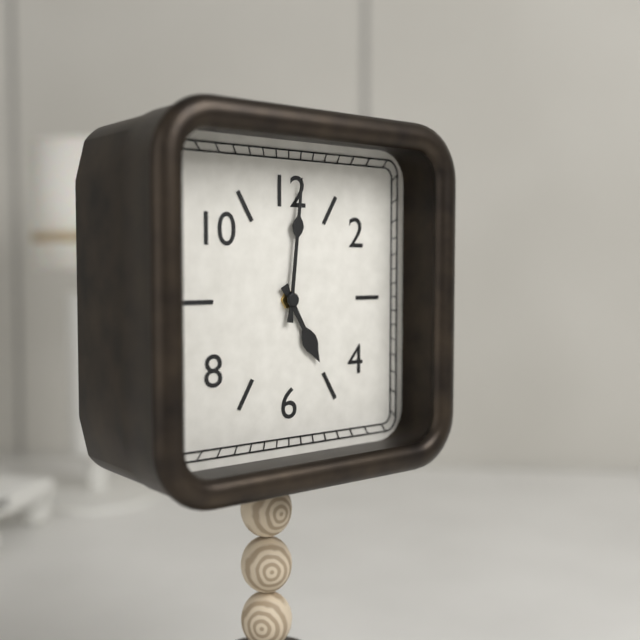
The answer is 5:01
